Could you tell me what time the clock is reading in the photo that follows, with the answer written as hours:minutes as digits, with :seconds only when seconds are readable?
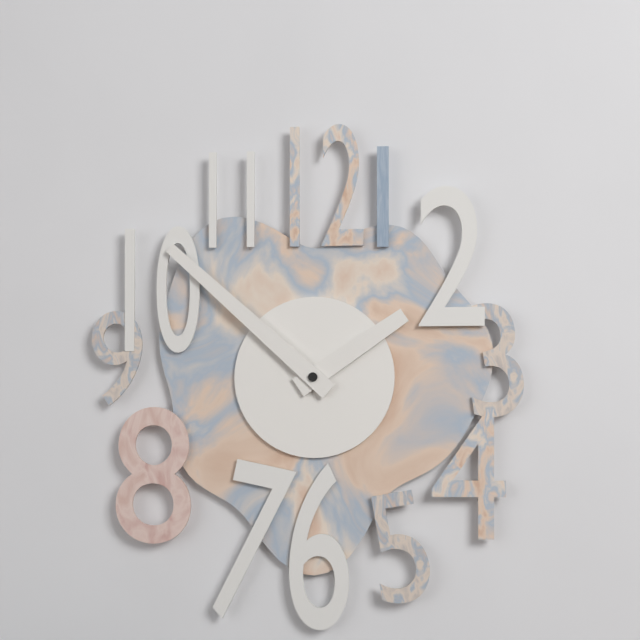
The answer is 1:52
